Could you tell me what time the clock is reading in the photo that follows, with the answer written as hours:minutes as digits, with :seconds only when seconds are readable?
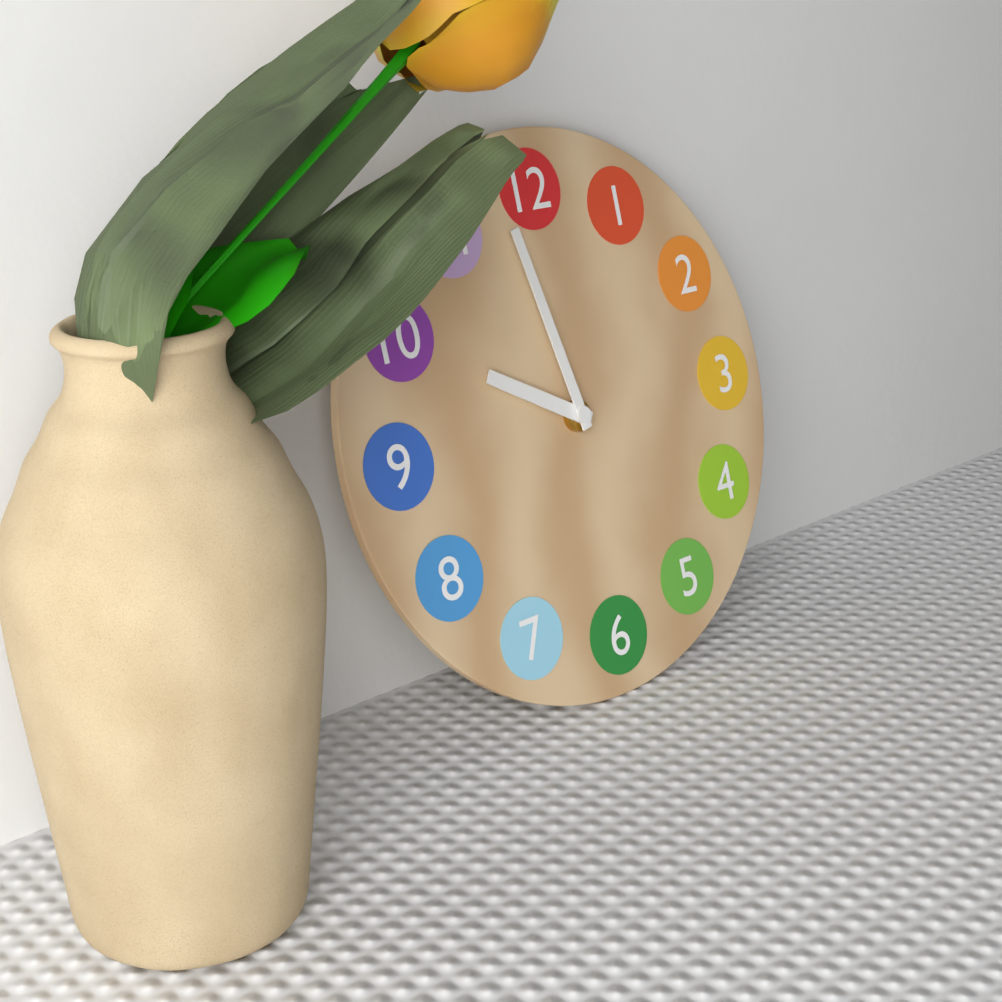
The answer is 9:58
